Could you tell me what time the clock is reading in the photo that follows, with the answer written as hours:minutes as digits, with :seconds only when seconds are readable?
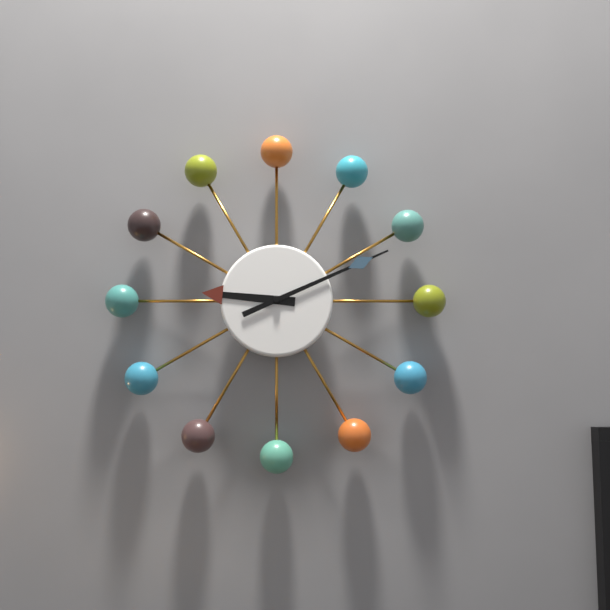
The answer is 9:11
